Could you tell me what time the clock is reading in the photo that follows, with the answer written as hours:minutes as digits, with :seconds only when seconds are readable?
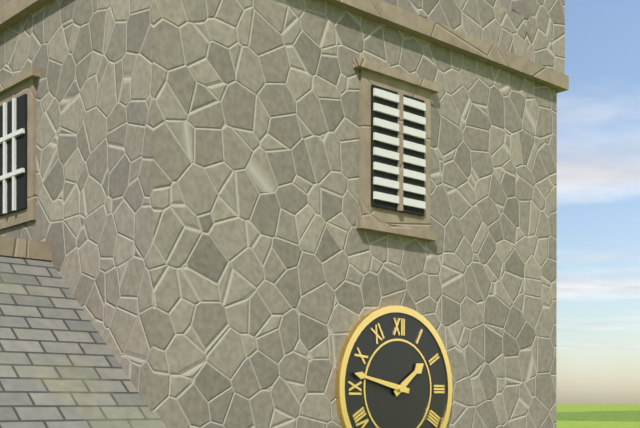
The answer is 1:47
